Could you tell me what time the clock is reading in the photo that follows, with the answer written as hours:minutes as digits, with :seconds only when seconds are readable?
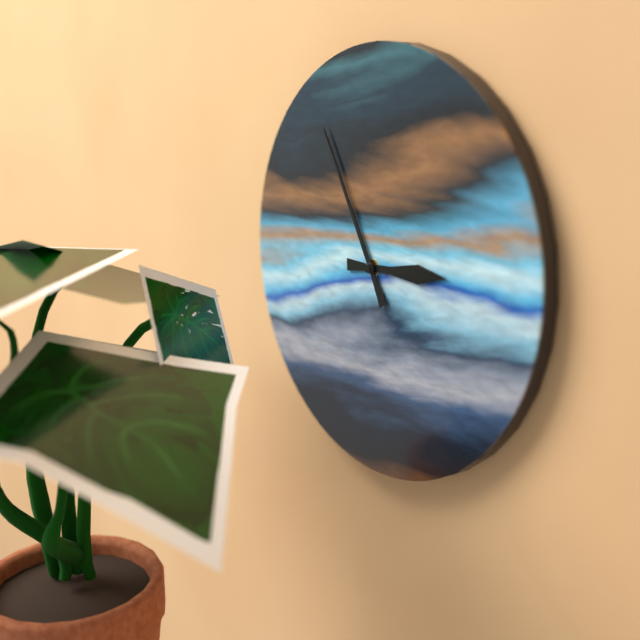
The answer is 2:55
